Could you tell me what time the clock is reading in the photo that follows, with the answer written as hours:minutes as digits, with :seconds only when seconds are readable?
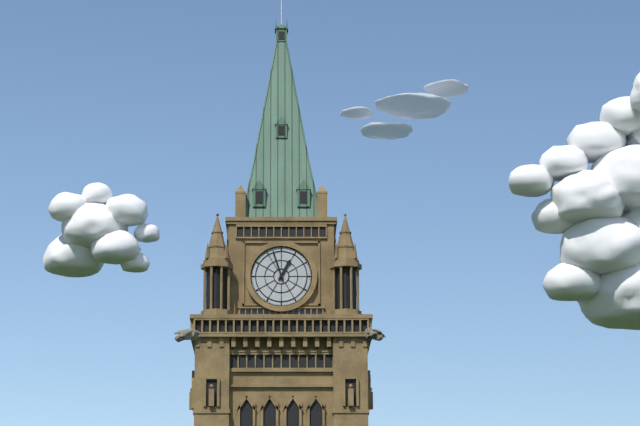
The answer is 12:57
